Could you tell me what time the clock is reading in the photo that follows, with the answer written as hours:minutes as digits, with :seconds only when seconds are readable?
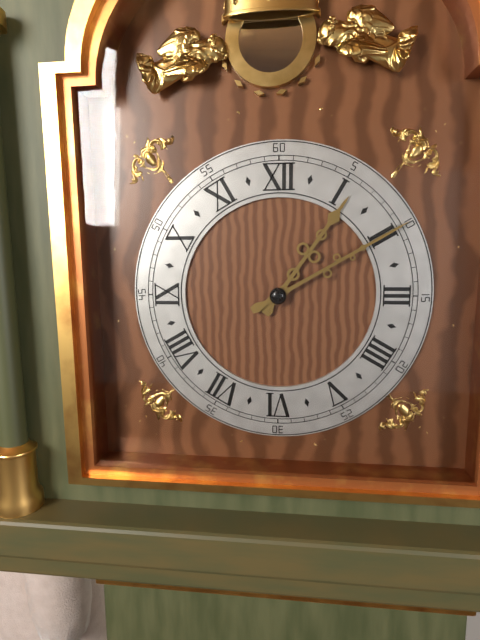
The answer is 1:10
